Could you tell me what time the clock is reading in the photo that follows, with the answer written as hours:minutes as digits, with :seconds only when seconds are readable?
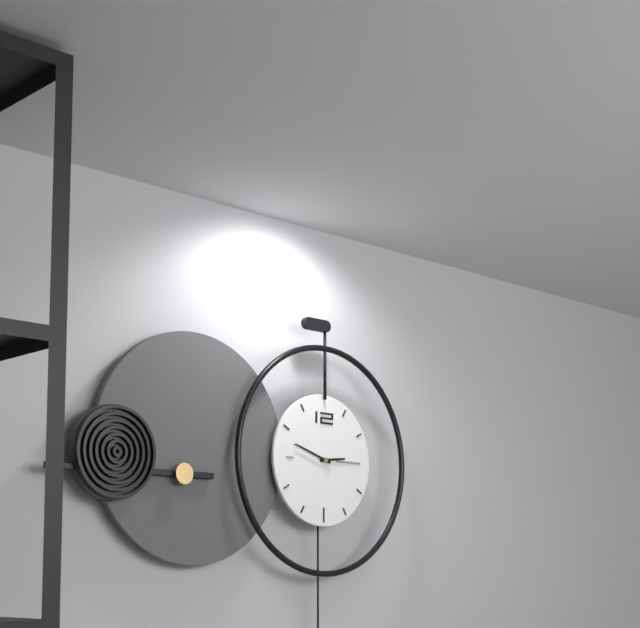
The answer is 2:48
